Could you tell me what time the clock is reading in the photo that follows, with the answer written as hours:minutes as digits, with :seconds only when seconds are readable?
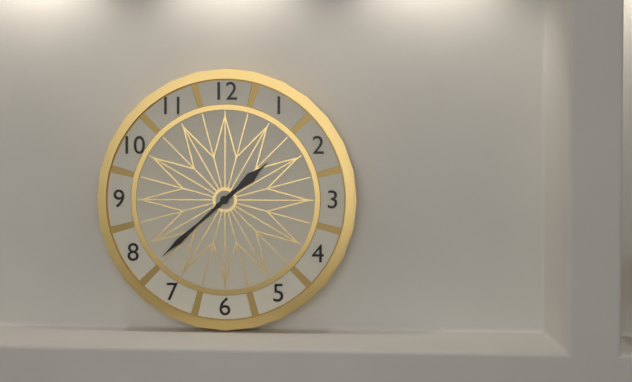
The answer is 1:38
